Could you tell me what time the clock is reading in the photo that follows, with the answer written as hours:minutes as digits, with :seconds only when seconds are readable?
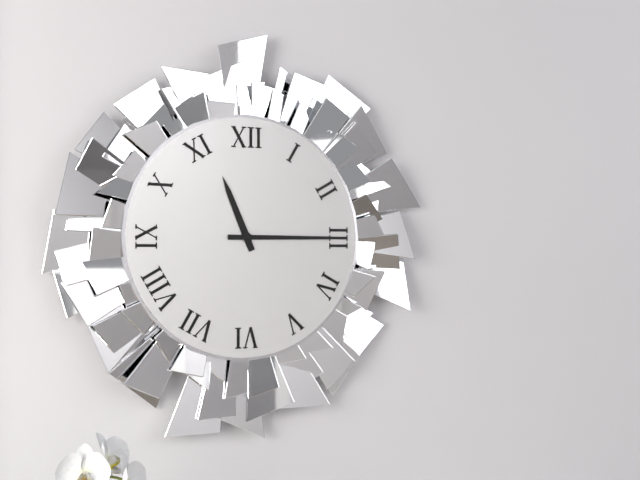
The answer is 11:15
